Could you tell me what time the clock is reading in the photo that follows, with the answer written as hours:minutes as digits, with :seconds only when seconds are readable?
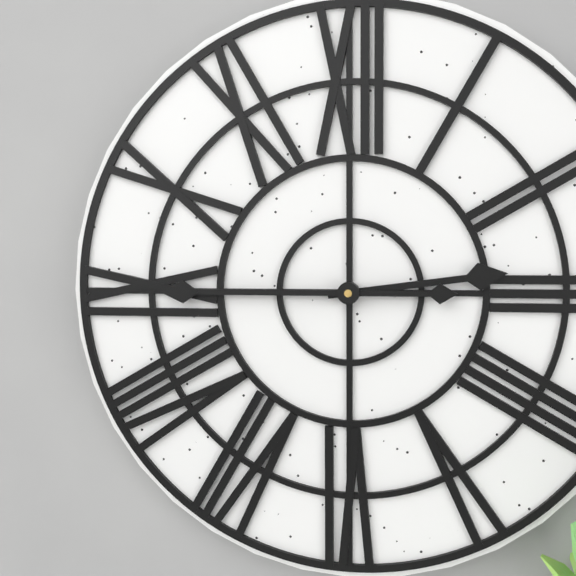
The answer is 2:45
